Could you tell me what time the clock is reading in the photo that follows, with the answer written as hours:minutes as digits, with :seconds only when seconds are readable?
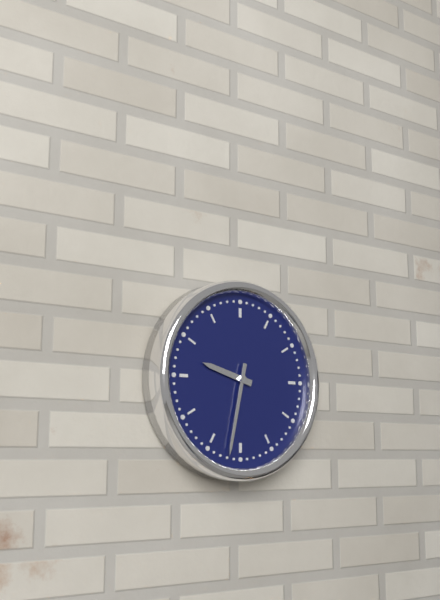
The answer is 9:32
